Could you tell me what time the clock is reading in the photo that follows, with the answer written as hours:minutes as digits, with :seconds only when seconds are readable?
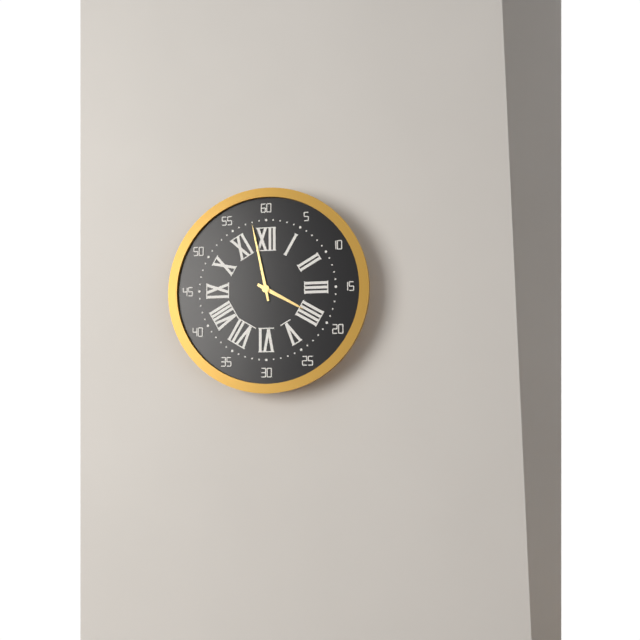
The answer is 3:58
